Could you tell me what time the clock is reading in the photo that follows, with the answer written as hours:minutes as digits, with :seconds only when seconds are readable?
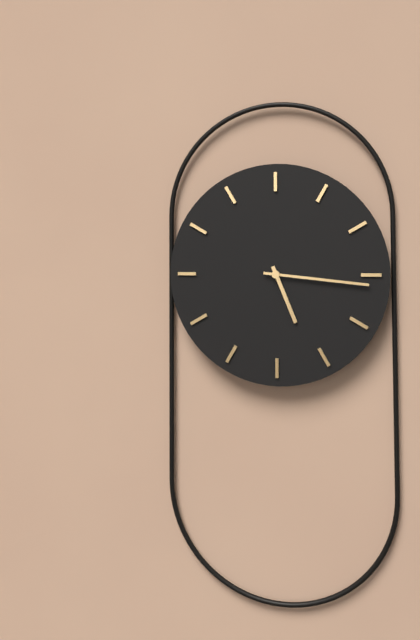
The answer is 5:16
